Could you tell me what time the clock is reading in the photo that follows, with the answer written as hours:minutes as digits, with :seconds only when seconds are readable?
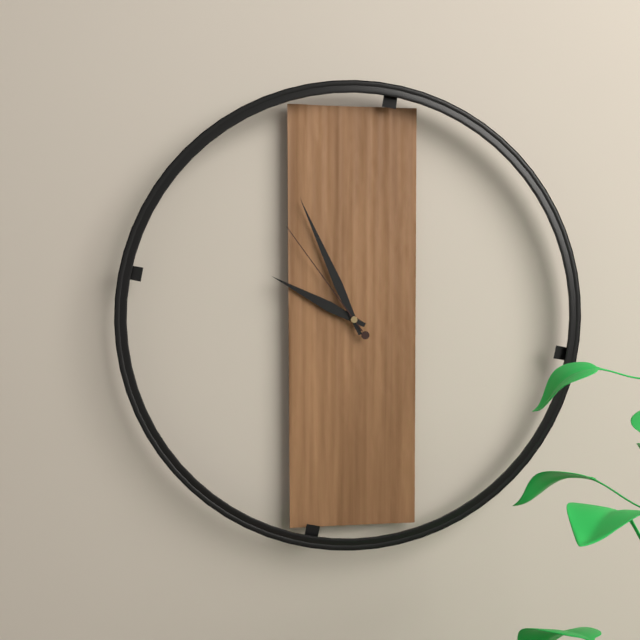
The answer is 9:56:54
